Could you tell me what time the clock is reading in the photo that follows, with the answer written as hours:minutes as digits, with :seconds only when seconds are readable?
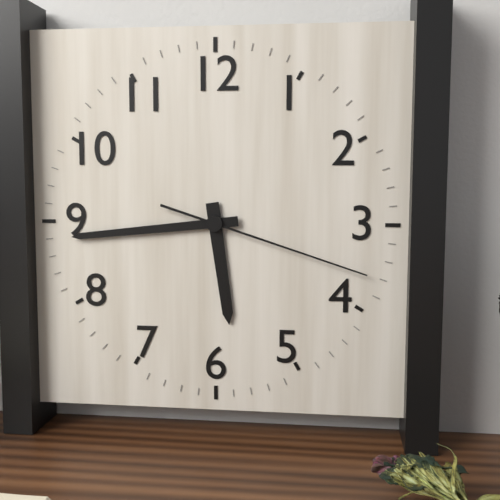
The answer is 5:44:18
